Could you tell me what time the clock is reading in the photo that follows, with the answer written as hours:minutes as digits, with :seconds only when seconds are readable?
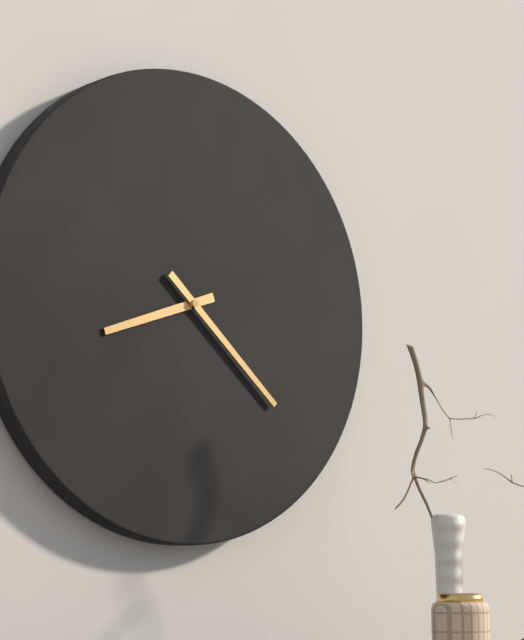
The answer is 8:22
